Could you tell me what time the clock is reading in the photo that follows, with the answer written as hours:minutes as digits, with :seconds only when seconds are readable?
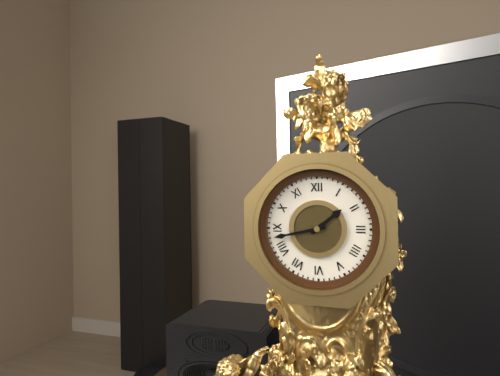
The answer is 1:43
